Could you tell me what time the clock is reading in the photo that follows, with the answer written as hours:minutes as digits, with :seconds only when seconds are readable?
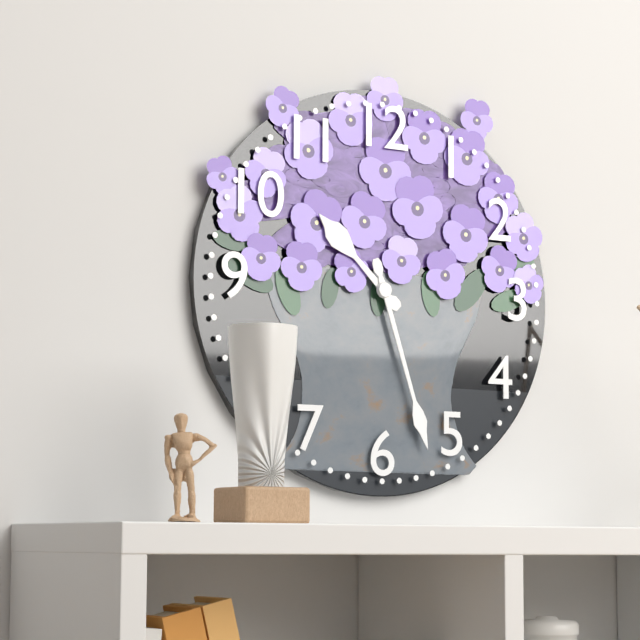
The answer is 10:27
